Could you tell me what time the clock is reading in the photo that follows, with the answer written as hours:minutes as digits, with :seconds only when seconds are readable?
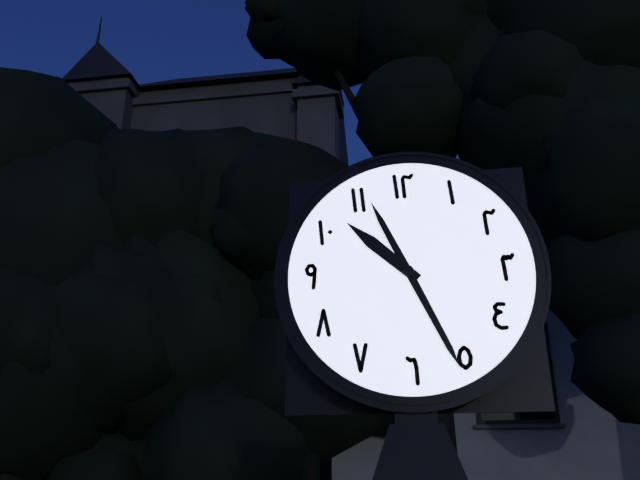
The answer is 10:26
